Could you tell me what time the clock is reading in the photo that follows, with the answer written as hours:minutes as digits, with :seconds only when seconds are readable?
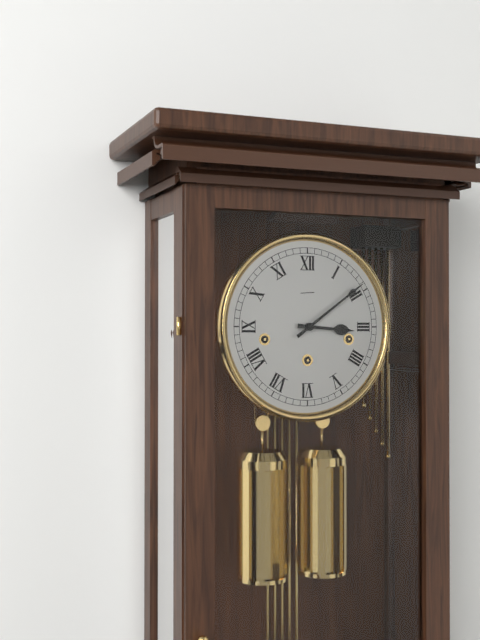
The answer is 3:09
